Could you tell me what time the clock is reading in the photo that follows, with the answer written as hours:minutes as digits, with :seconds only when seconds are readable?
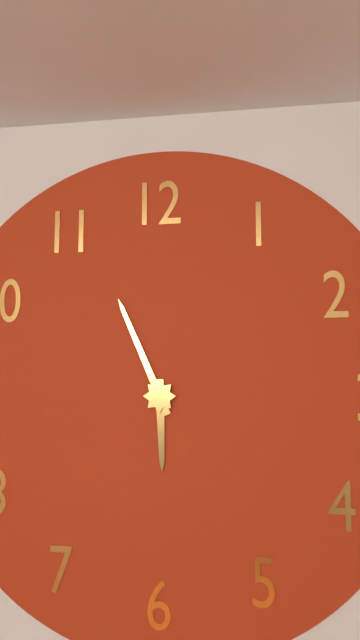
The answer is 5:56
